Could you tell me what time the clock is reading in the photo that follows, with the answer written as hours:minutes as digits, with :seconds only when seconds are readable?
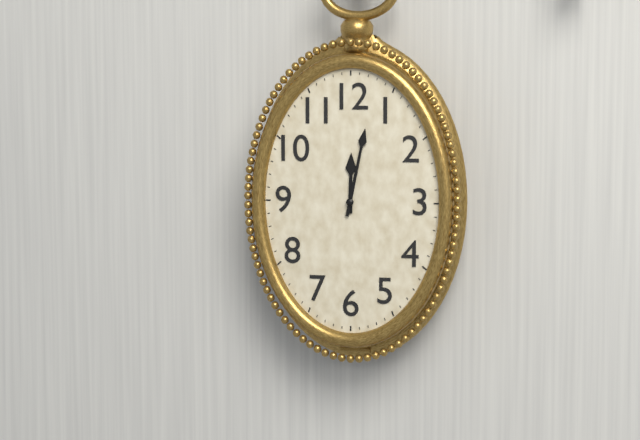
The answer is 12:02
